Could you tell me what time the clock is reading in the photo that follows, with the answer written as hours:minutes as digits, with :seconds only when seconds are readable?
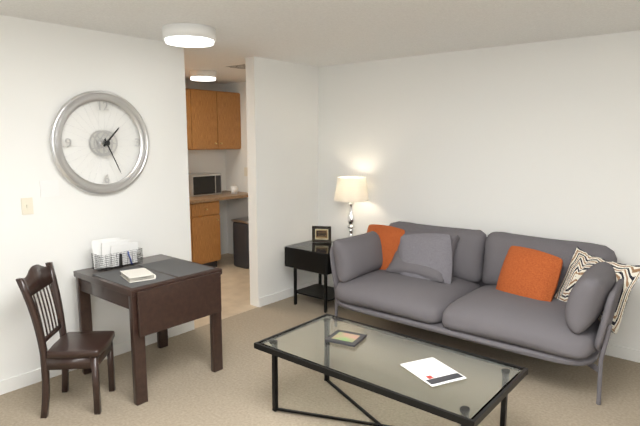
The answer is 1:26
